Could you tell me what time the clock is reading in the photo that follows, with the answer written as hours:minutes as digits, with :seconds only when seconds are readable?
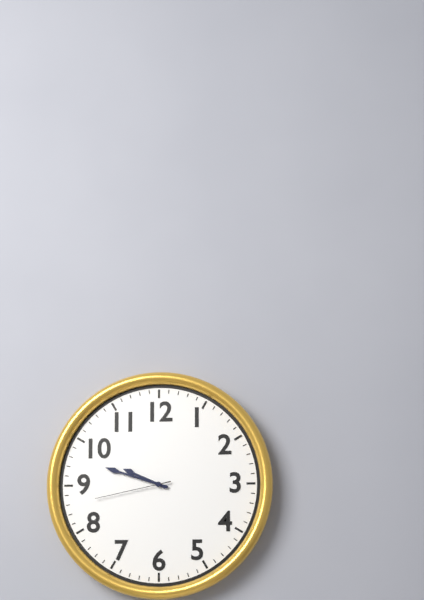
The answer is 9:48:43
